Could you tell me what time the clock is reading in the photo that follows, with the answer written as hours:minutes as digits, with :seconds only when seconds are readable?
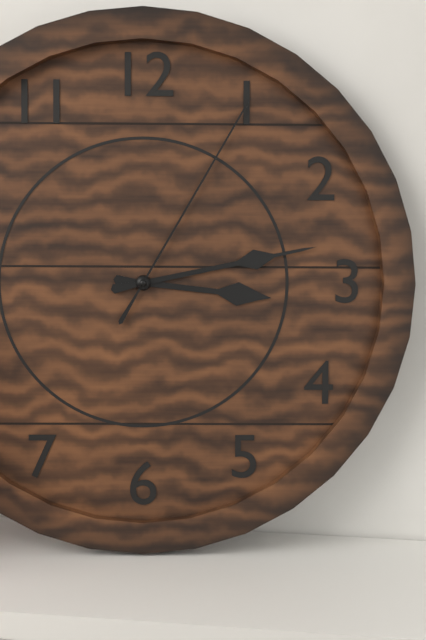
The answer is 3:13:05
